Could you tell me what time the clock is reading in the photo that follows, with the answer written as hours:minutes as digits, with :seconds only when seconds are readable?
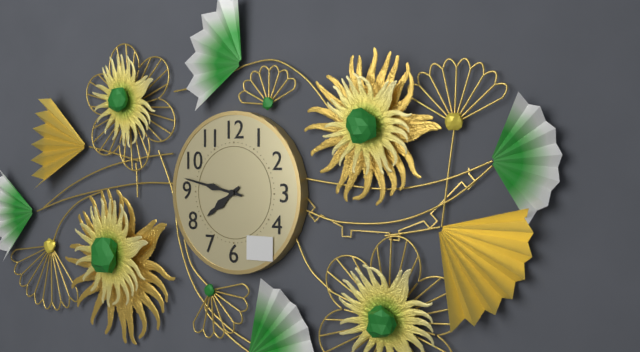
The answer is 7:47
